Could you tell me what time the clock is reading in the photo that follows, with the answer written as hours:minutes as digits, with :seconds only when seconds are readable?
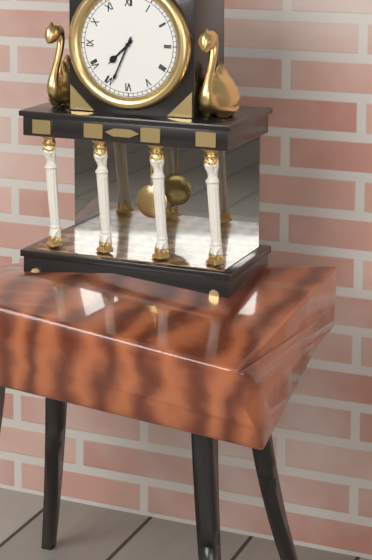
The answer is 7:34
